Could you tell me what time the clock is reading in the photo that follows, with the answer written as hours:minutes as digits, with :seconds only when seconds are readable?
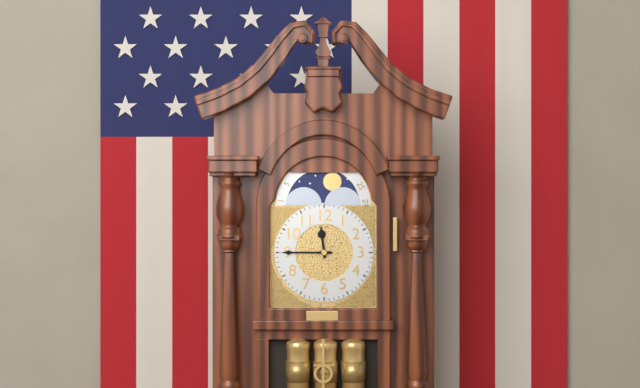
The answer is 11:45
